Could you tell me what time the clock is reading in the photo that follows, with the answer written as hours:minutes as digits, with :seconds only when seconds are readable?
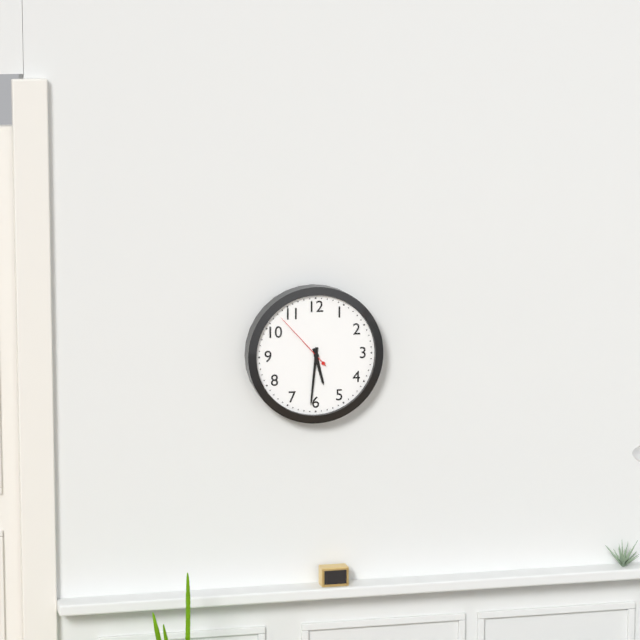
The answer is 5:31:53
